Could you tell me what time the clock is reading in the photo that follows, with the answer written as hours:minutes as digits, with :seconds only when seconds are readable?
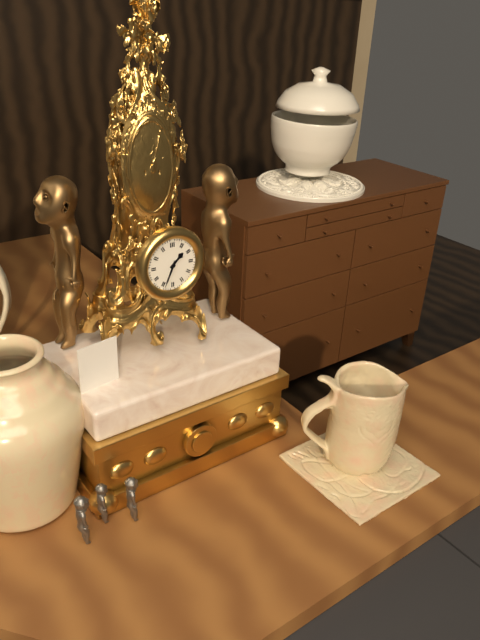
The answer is 1:34
